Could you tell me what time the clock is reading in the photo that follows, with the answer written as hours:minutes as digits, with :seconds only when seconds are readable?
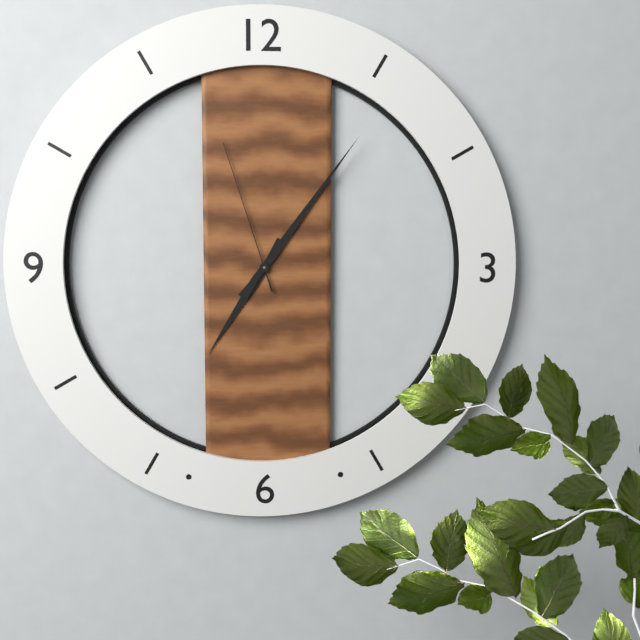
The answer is 7:06:57
